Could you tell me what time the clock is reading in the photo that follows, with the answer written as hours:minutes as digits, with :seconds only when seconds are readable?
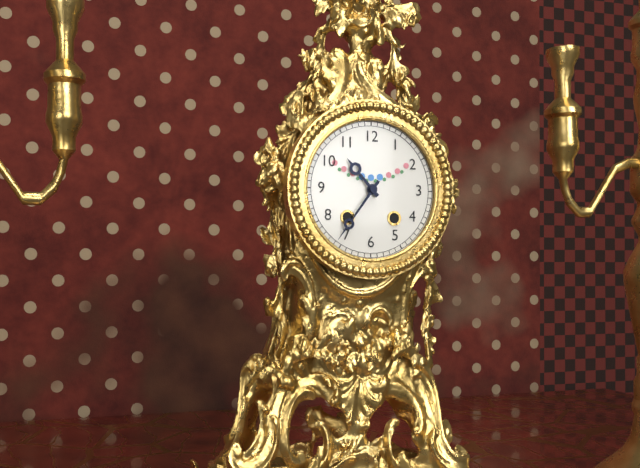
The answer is 10:36
